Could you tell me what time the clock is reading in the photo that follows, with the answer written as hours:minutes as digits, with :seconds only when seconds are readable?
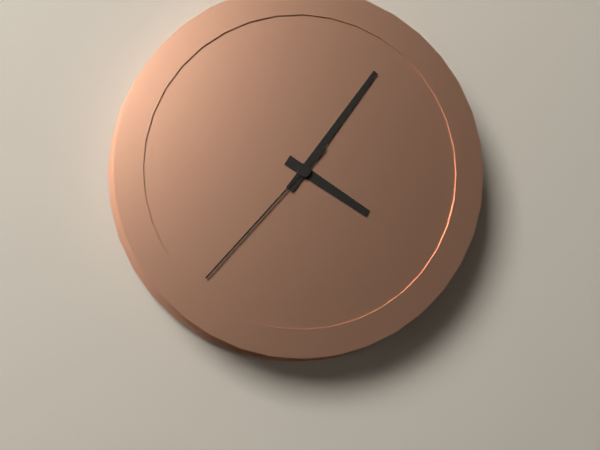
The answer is 4:06:37
